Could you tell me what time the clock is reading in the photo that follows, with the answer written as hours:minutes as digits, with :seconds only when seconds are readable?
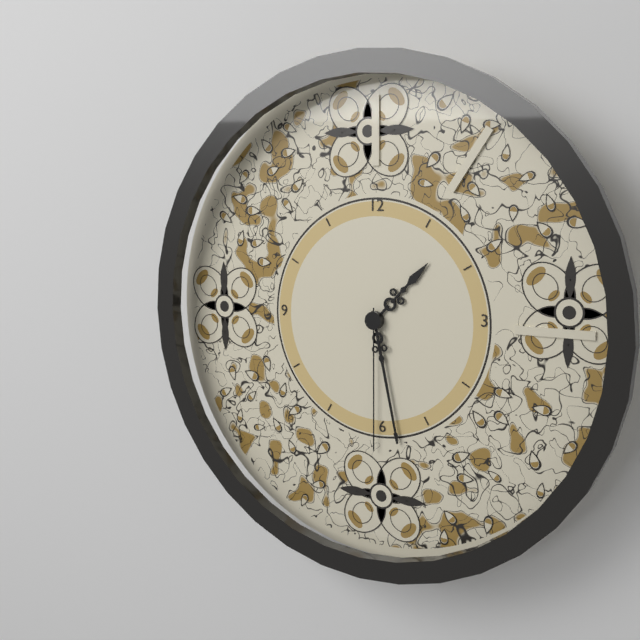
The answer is 1:28:30
